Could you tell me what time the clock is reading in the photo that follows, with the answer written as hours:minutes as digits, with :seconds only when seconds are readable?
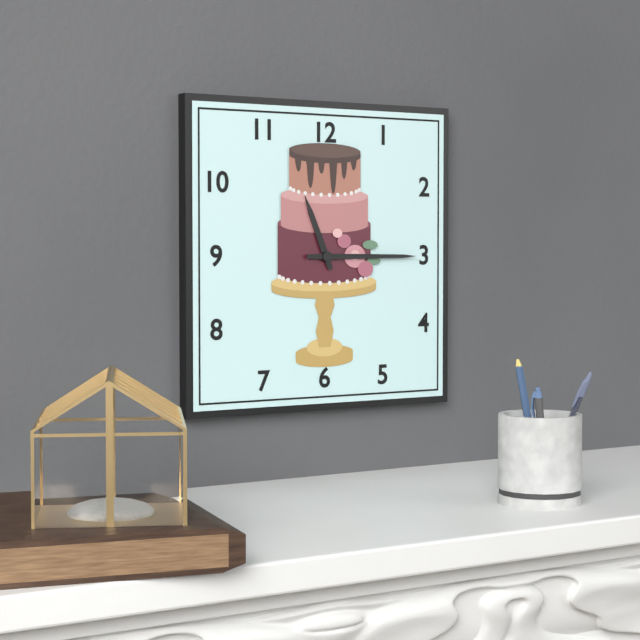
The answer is 11:15
